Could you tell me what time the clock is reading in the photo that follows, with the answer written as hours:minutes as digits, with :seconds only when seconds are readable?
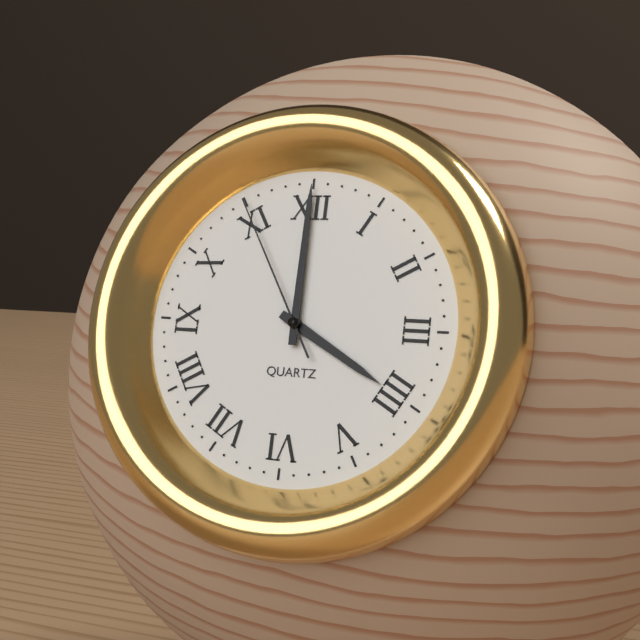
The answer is 4:00:55
